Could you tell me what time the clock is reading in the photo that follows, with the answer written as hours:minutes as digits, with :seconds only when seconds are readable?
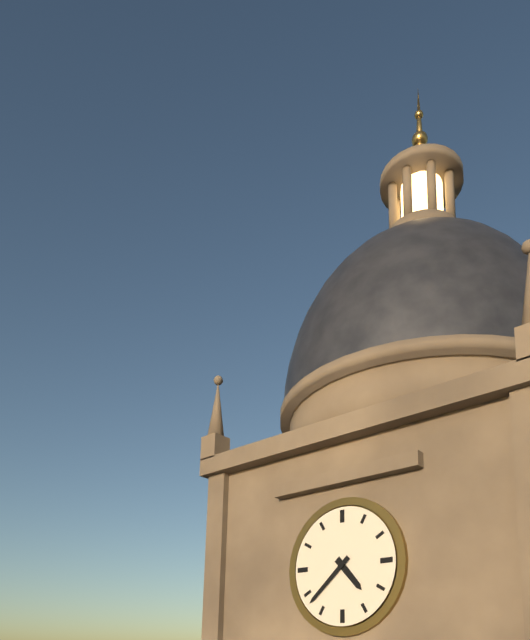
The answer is 4:38
